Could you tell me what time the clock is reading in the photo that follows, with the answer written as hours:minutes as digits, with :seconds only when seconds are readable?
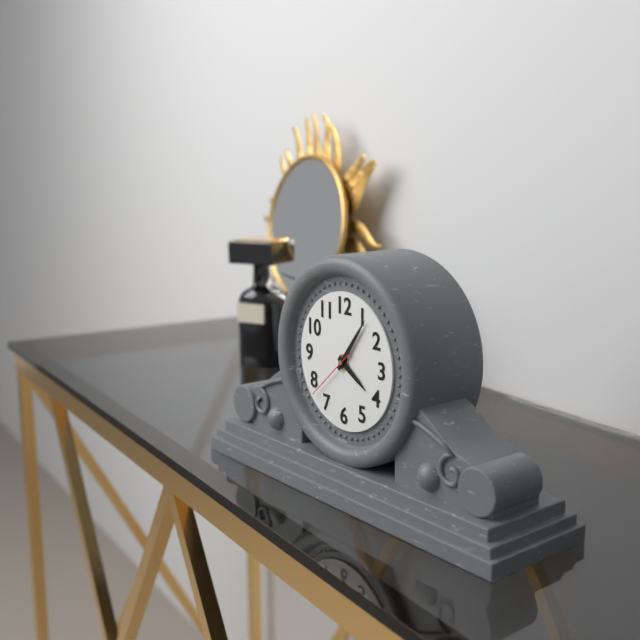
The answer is 4:06:38
